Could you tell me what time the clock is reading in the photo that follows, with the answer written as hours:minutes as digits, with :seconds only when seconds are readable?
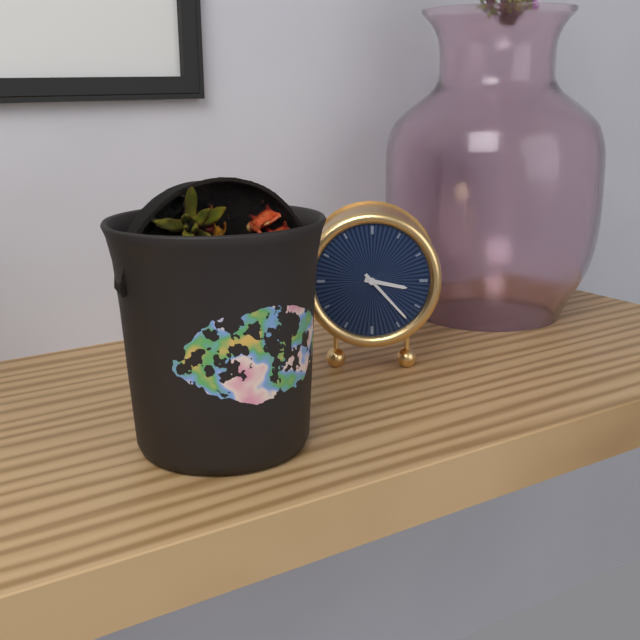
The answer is 3:23
